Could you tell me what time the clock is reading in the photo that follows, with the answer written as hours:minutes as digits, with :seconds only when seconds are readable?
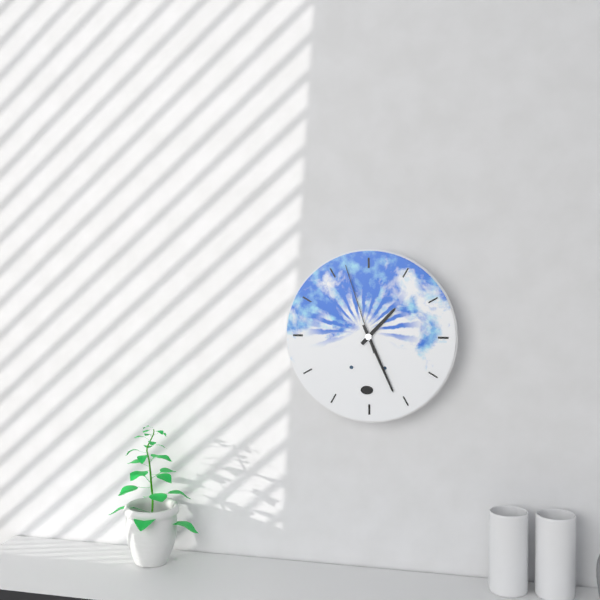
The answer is 1:26:57
